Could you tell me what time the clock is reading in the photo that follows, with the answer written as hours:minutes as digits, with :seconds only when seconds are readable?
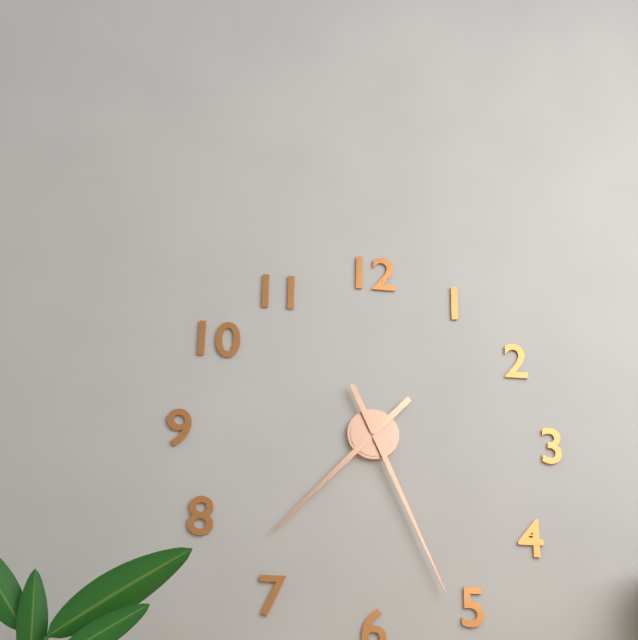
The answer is 7:26
